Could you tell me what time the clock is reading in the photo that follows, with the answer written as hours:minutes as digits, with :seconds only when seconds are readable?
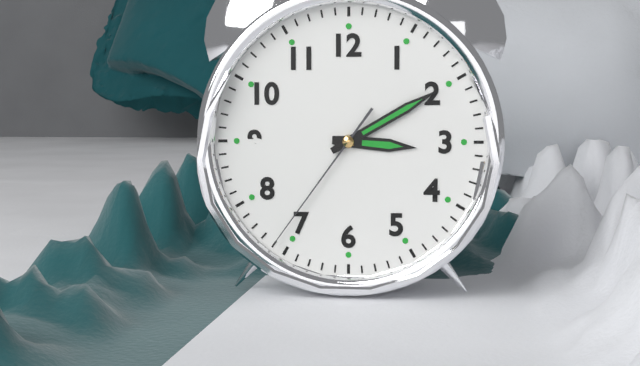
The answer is 3:10:36
